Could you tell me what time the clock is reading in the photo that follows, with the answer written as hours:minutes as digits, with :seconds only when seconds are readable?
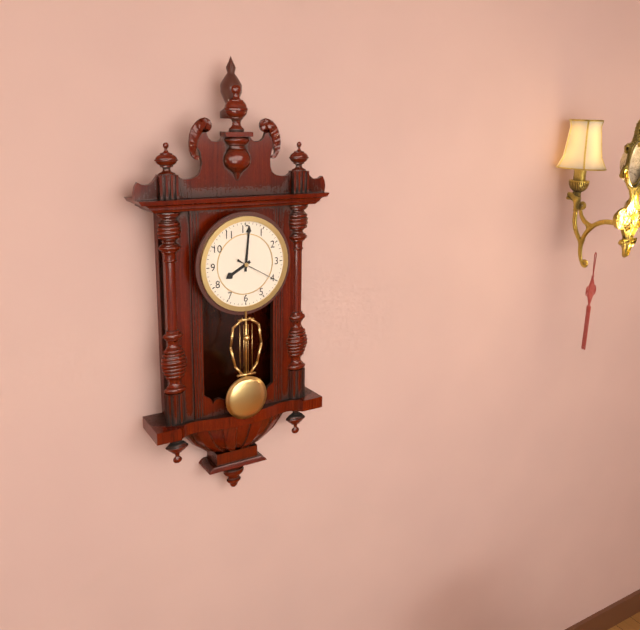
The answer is 8:01
